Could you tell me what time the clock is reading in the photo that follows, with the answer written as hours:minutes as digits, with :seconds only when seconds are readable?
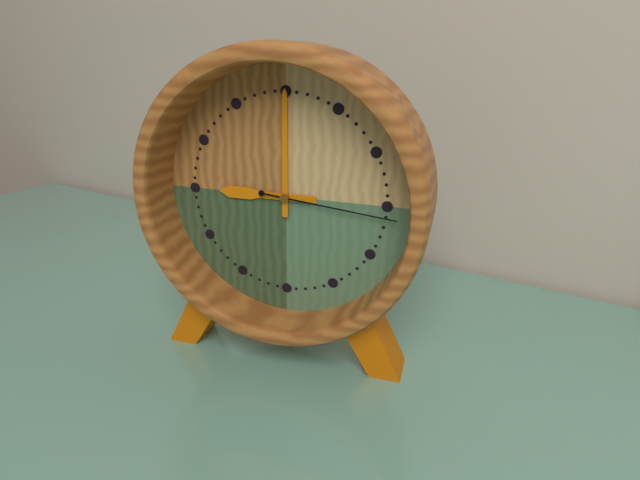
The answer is 9:00:16
